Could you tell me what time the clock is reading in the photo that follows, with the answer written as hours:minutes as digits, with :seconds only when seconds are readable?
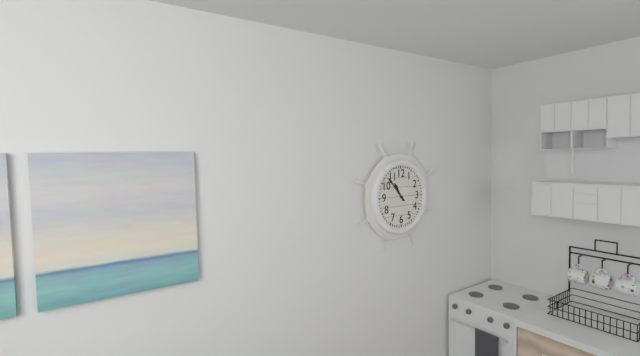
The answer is 10:53
